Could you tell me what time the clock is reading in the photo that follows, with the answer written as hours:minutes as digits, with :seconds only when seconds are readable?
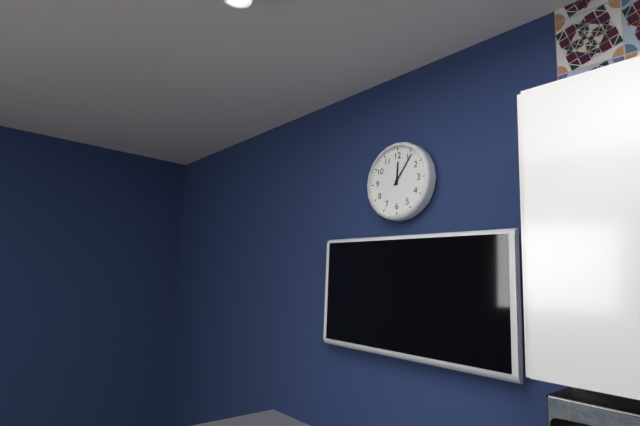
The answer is 12:06
